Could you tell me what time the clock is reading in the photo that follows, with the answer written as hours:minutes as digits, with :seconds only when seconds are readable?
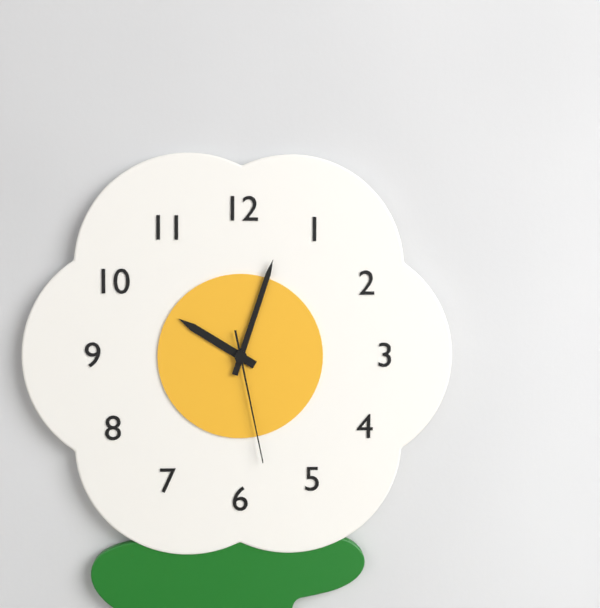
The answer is 10:03:28
